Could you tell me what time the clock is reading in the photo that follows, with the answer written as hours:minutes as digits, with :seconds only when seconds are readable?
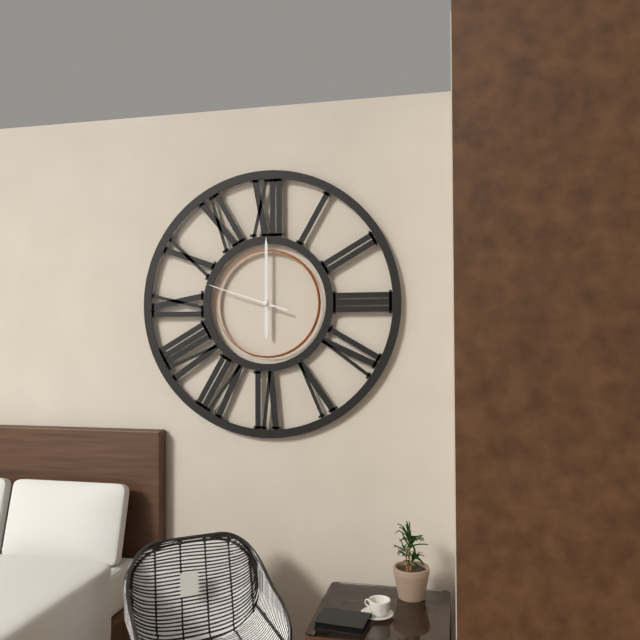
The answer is 6:00:48
